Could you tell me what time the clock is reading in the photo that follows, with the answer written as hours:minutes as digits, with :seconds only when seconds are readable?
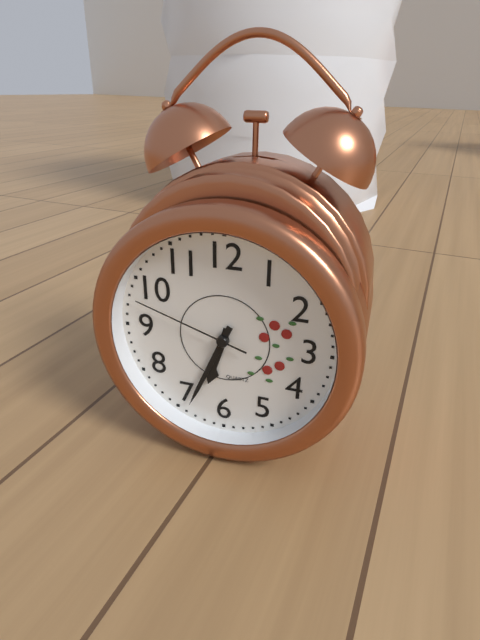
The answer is 6:34:48
